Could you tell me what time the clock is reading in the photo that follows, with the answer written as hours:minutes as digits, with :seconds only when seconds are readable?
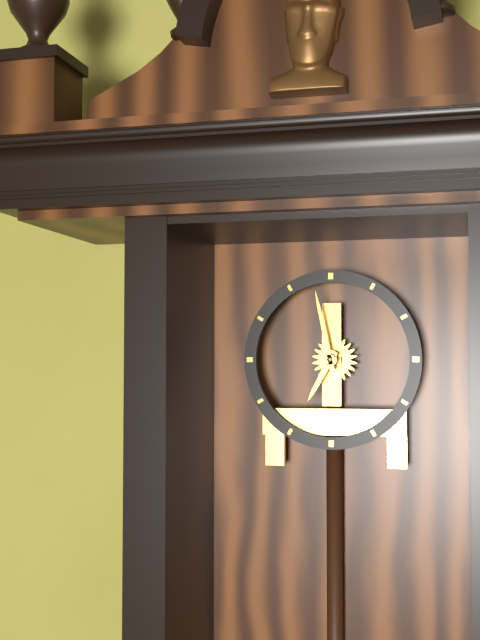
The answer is 6:58
